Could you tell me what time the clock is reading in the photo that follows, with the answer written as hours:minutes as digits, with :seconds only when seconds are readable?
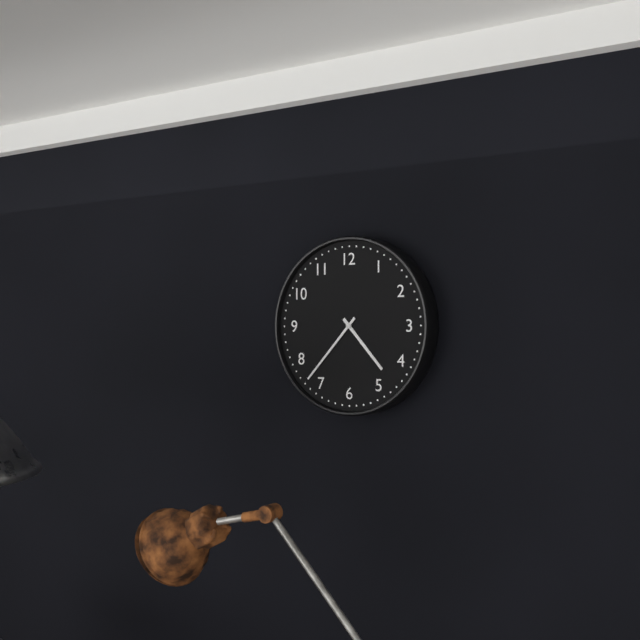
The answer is 4:37
